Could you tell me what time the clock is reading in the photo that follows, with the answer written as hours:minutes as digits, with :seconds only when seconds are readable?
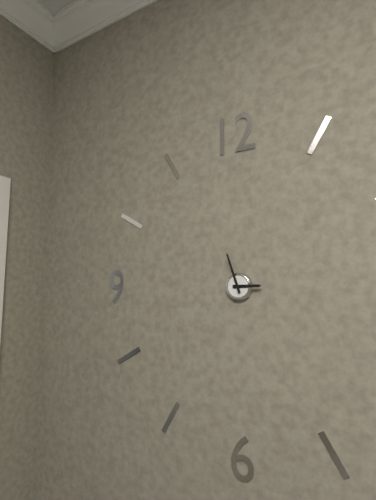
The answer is 2:57
